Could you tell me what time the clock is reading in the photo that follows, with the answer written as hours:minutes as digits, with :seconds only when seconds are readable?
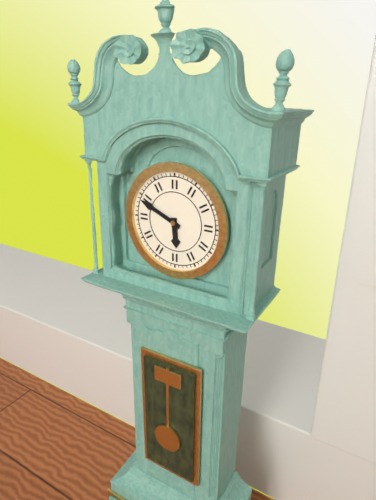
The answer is 5:49
